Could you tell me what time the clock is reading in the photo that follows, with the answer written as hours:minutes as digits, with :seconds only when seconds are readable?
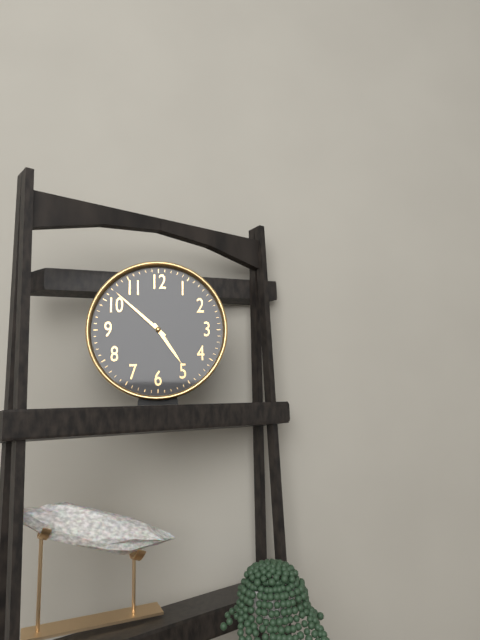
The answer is 4:52
